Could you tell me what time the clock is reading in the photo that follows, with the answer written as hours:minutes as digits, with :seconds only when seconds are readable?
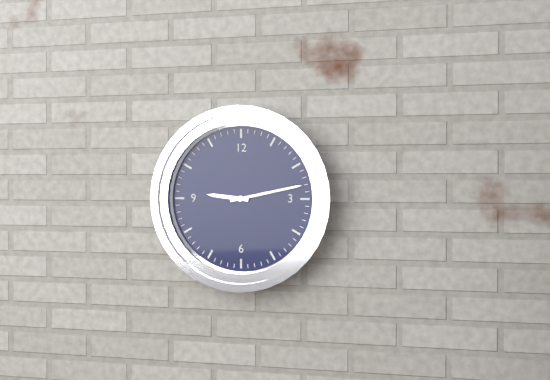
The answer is 9:13
